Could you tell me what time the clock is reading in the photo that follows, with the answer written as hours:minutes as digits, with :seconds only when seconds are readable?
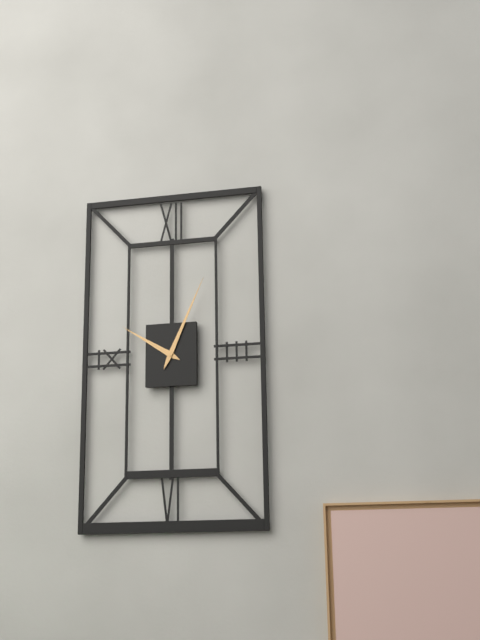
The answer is 10:04
